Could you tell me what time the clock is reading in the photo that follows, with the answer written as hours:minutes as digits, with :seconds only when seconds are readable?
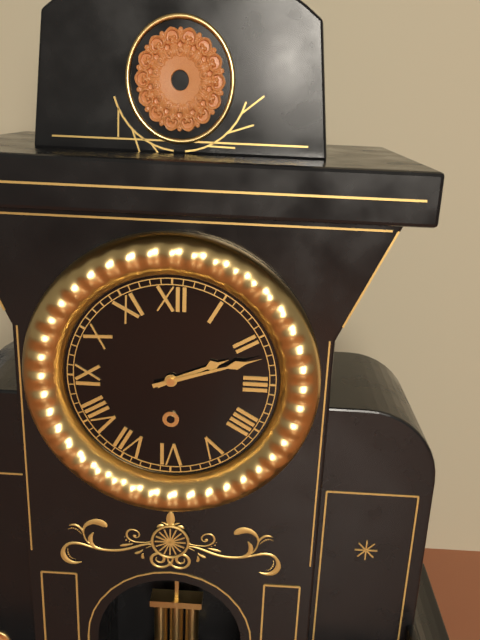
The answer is 2:12
